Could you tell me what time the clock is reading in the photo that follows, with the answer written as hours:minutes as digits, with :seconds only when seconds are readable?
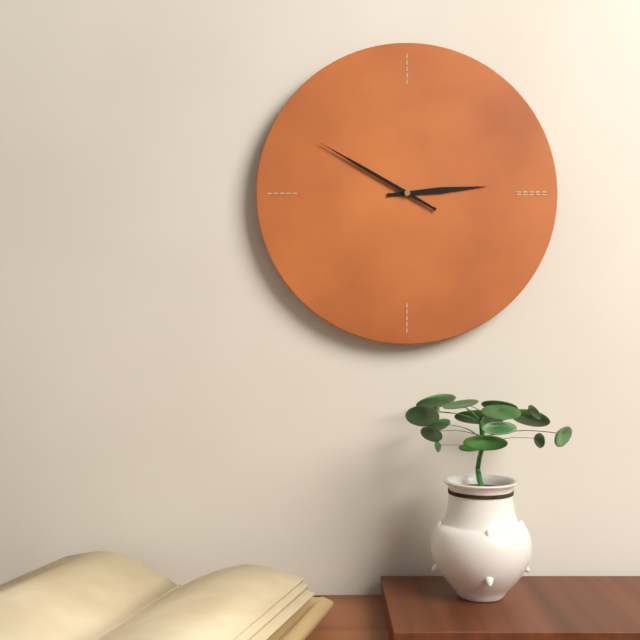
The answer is 2:50
